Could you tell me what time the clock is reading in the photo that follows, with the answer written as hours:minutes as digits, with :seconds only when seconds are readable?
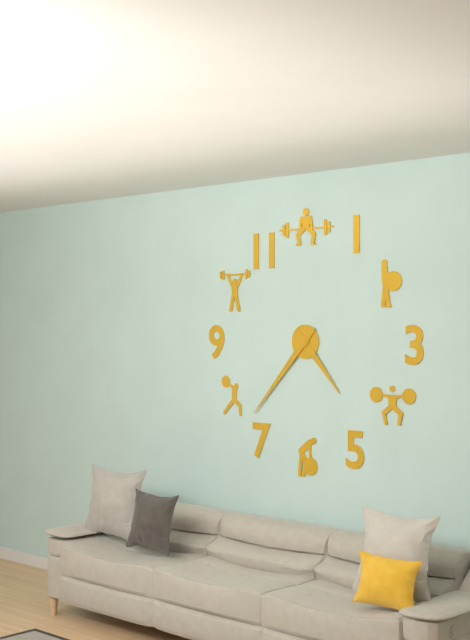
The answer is 4:37
